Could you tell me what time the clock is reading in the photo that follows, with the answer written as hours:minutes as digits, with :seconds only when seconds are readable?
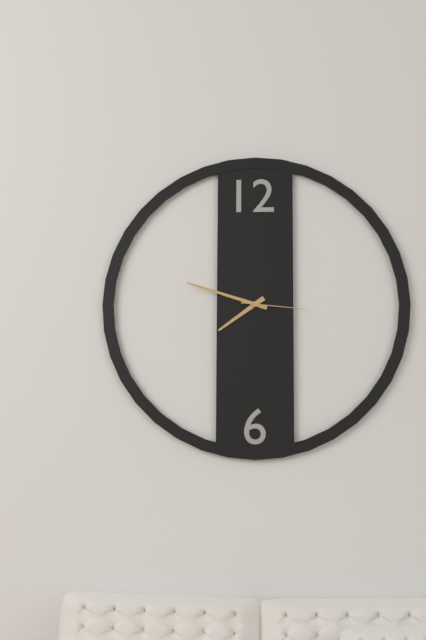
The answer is 7:48:16
